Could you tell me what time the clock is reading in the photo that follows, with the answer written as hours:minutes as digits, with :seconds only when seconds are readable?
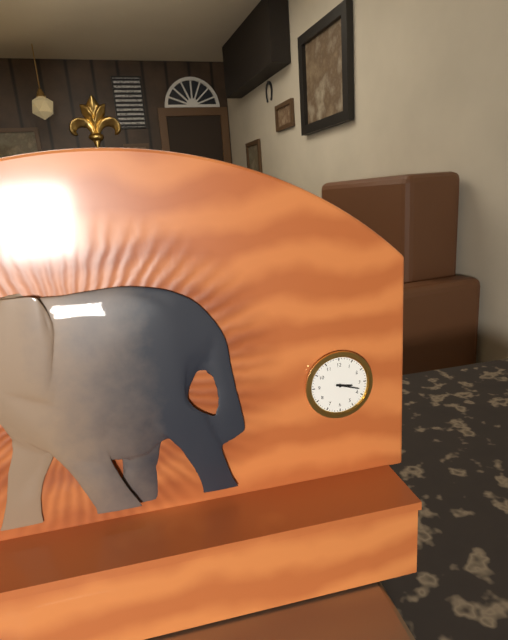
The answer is 3:18
